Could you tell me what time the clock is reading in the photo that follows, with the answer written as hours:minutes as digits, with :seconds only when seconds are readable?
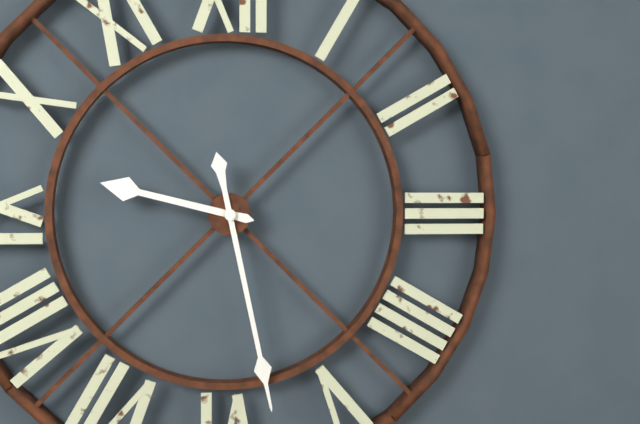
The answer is 9:28
